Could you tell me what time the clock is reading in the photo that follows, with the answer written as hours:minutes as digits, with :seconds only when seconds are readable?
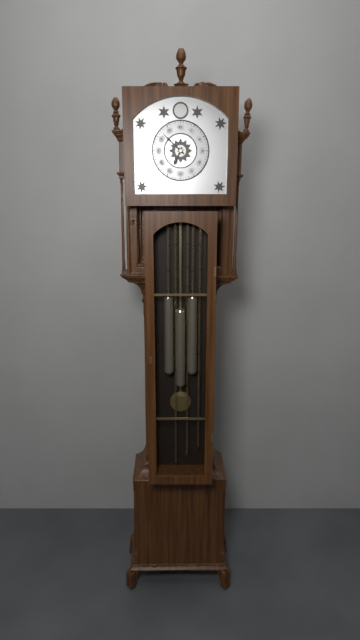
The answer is 6:52
